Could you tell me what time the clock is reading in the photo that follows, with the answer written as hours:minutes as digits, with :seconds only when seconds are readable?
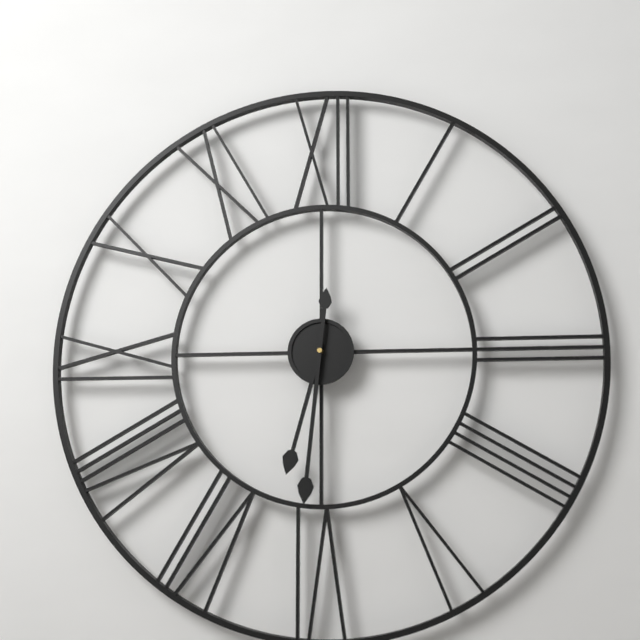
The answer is 6:31
